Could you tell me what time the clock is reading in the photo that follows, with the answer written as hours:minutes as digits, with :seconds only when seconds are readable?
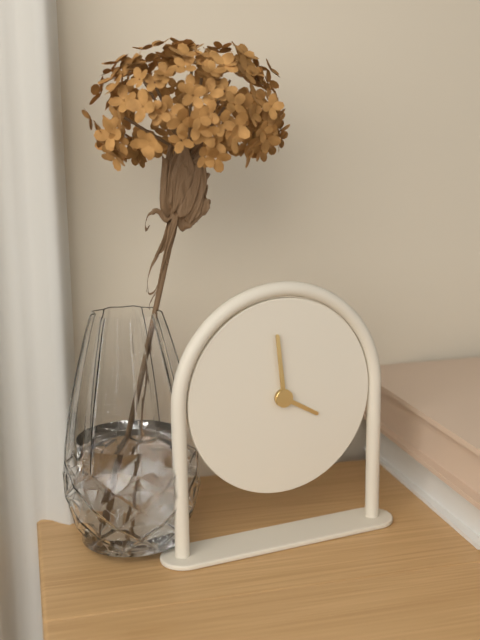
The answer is 3:59
